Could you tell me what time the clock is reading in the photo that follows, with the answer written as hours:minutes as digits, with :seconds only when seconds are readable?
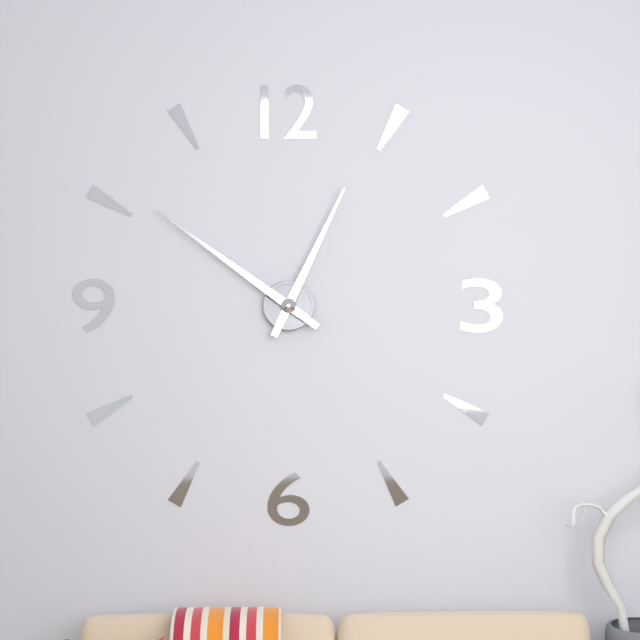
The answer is 12:51
